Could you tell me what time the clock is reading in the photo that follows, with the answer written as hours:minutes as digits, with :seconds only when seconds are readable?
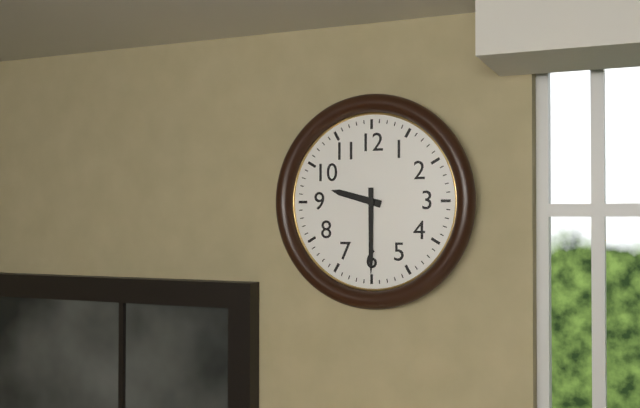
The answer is 9:30
